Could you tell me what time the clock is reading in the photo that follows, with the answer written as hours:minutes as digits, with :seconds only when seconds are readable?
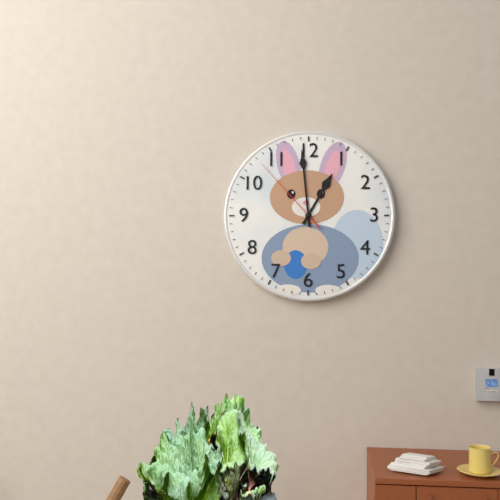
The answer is 12:59:53
